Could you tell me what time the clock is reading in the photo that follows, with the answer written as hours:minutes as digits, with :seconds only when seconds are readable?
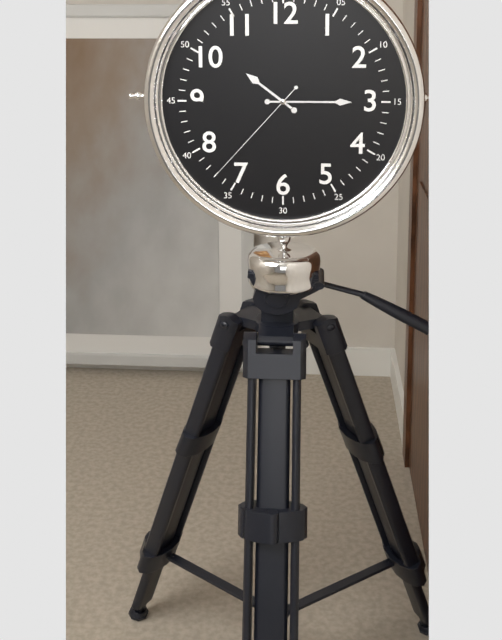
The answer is 10:15:37
